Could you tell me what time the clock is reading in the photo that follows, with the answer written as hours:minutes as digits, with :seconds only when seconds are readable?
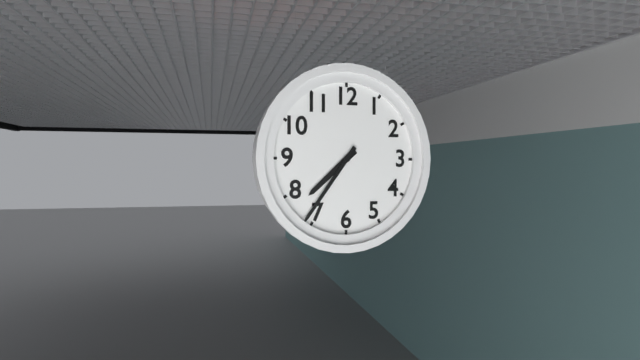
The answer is 7:36
